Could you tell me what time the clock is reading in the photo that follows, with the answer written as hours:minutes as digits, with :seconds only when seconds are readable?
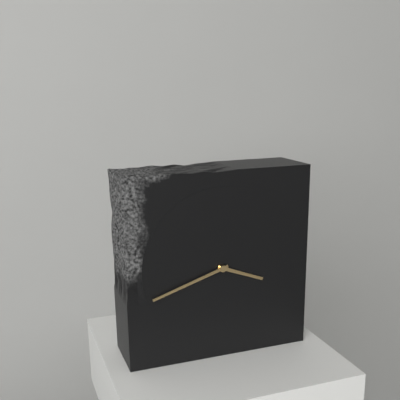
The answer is 3:42
